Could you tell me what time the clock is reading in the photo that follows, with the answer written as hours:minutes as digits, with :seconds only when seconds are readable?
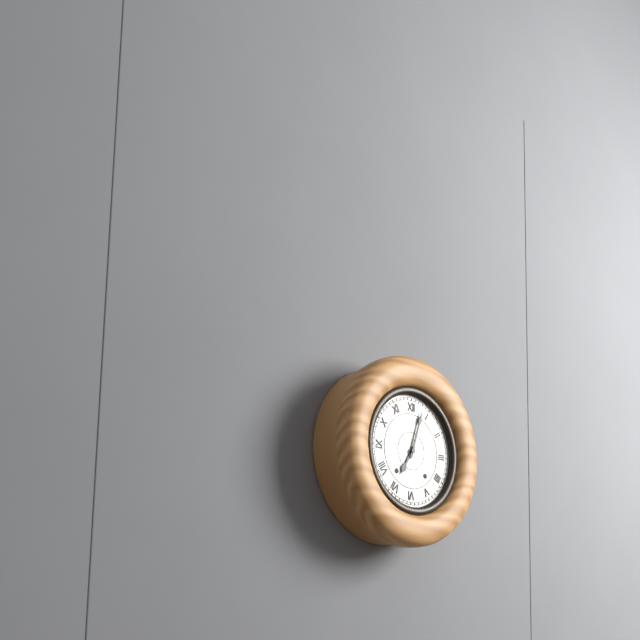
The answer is 7:03
